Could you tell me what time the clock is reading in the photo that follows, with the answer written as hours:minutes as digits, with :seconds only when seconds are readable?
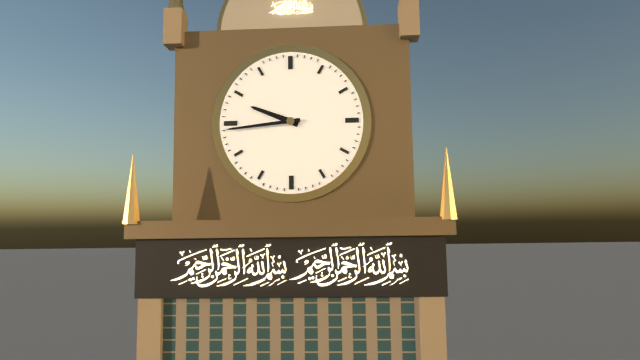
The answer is 9:44
